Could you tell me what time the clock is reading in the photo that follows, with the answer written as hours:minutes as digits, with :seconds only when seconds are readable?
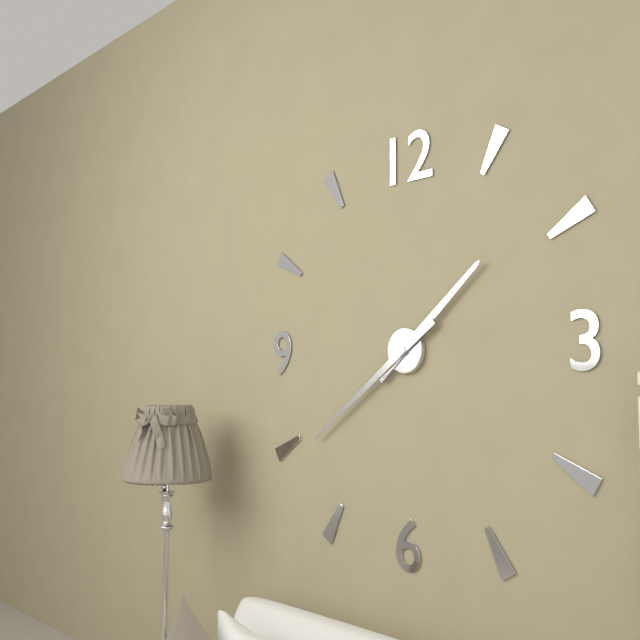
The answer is 1:39
